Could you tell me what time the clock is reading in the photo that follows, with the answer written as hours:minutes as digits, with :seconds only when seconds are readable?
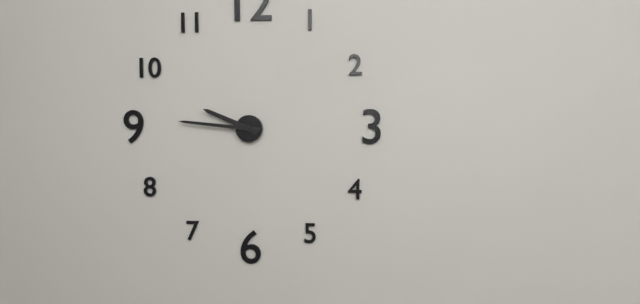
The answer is 9:46
